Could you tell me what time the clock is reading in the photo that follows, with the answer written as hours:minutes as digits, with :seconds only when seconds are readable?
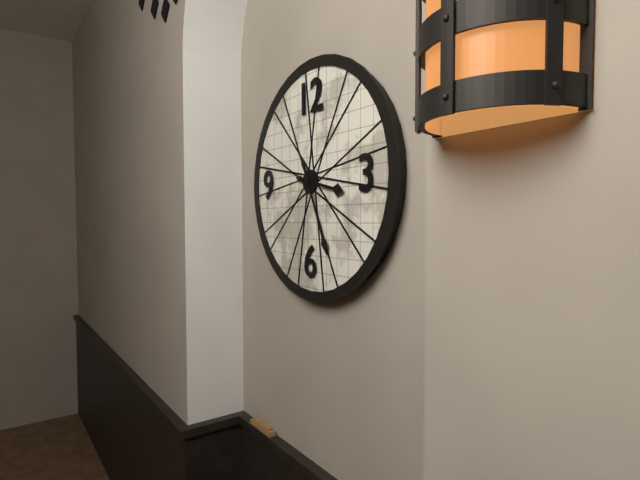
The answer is 3:26
